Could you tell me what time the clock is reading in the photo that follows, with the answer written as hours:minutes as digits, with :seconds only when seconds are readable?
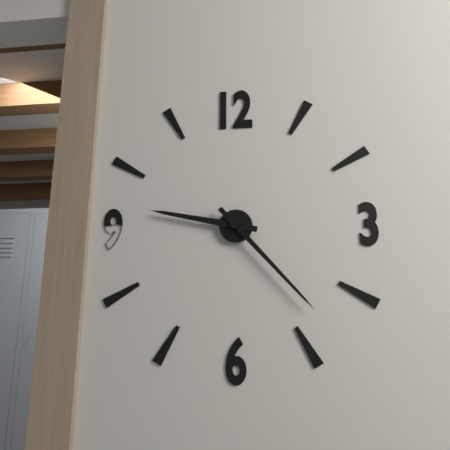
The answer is 9:23
